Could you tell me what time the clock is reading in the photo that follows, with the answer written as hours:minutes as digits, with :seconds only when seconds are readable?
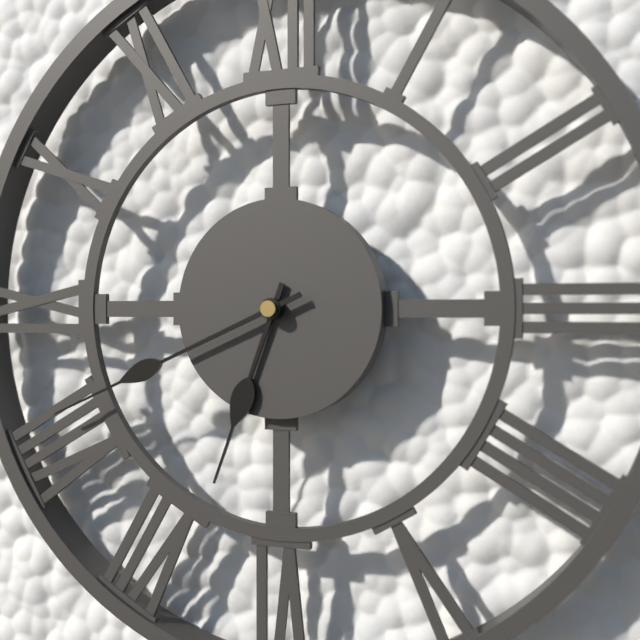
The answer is 6:41
